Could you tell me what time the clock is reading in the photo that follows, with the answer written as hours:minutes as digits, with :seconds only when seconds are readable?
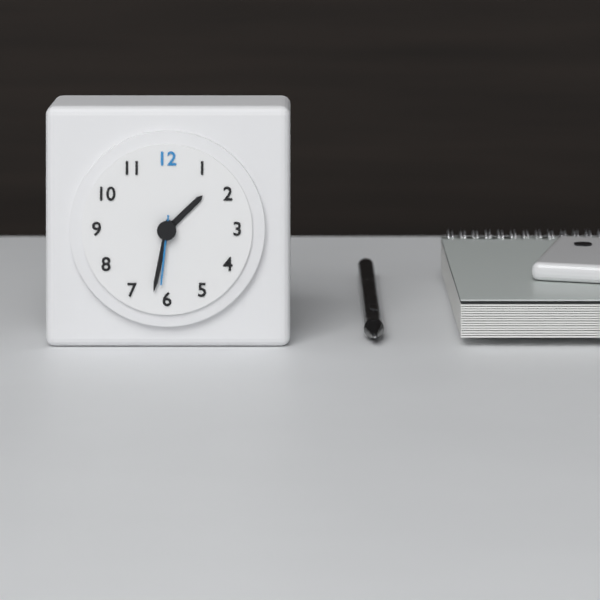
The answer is 1:32:31
